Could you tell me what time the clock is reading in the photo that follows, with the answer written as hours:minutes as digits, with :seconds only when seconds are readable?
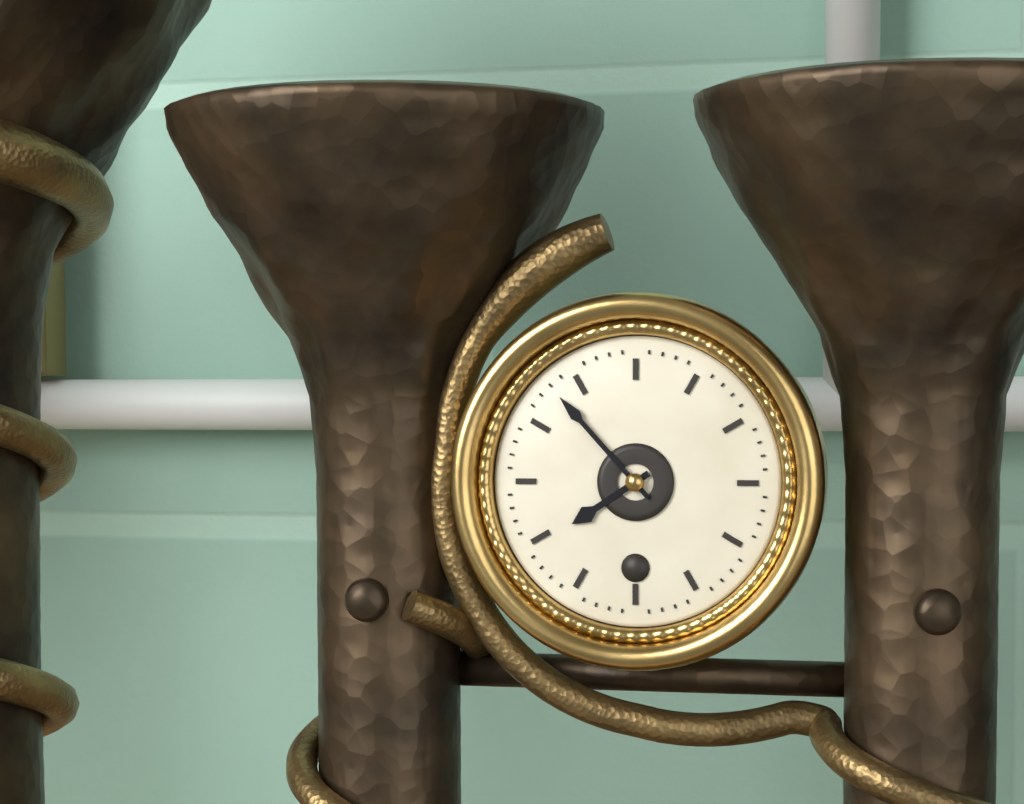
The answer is 7:53
